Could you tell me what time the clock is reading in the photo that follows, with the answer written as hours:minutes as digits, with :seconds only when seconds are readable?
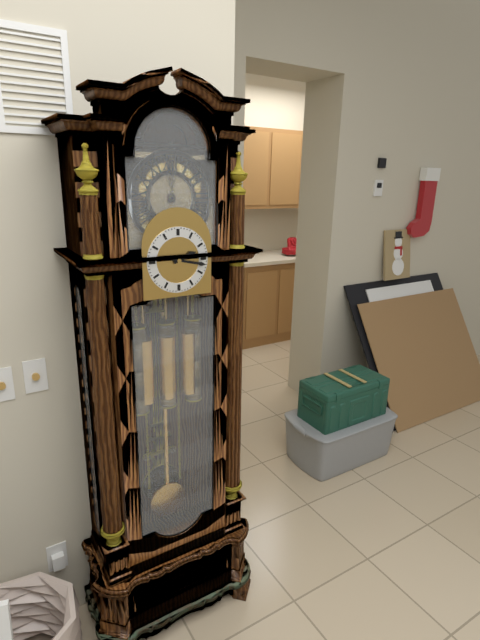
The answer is 2:17
